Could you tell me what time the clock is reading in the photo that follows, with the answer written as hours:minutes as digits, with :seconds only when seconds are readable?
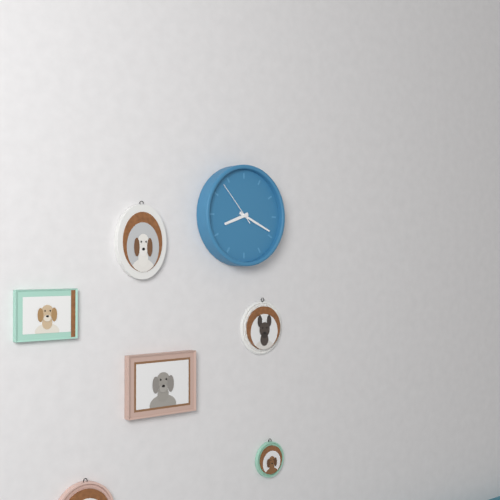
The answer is 8:19
